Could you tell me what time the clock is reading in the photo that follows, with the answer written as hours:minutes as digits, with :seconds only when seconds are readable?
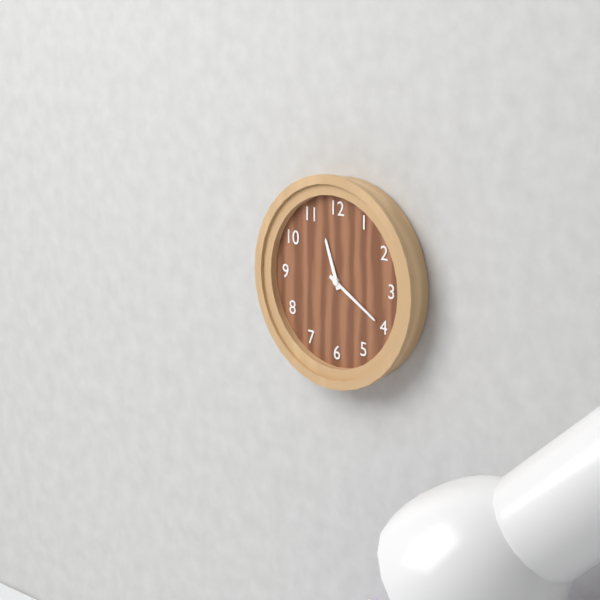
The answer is 11:20
